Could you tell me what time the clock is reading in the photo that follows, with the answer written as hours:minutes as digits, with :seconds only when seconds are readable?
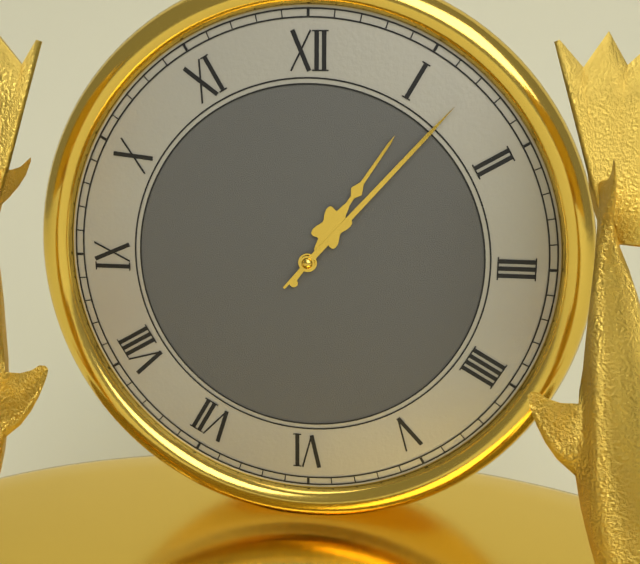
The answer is 1:07
